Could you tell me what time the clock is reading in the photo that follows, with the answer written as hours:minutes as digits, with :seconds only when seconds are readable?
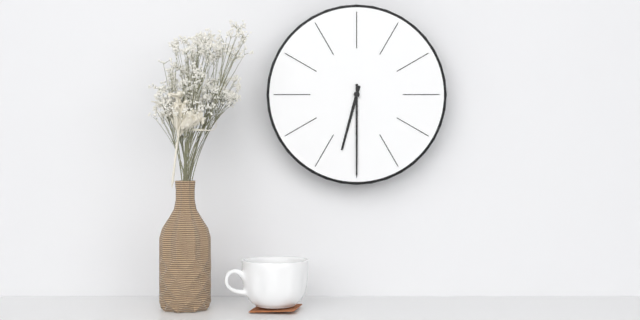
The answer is 6:30
